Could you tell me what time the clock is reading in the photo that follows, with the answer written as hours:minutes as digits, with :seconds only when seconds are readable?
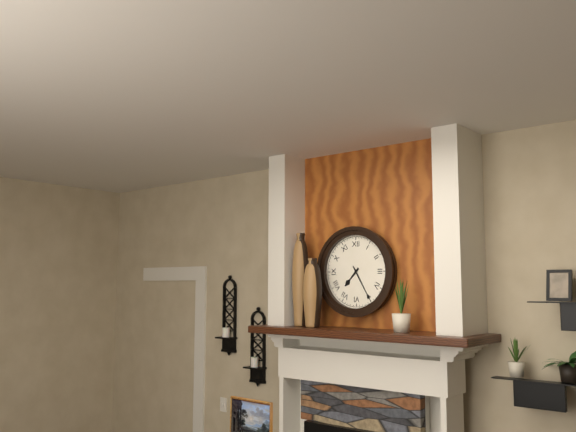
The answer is 7:25
